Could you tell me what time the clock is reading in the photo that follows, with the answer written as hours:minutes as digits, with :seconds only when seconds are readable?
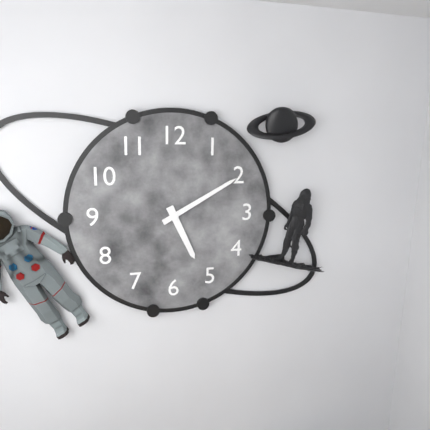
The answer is 5:10
